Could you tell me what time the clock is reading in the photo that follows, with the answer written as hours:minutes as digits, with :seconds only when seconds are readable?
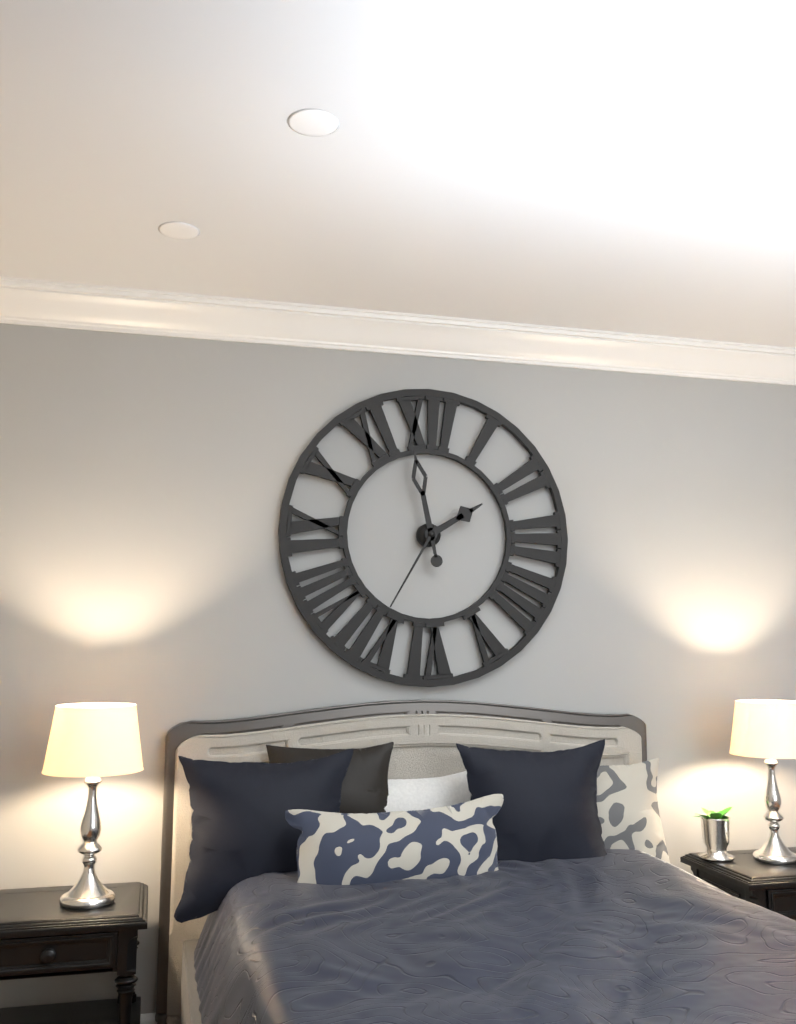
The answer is 1:58:35
